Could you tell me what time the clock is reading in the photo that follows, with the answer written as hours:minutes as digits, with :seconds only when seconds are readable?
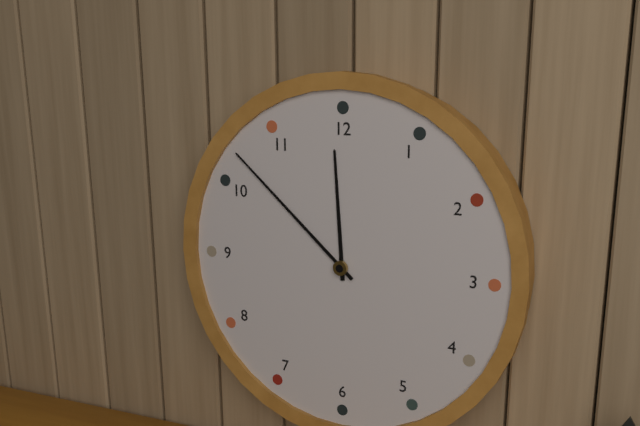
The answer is 11:52
